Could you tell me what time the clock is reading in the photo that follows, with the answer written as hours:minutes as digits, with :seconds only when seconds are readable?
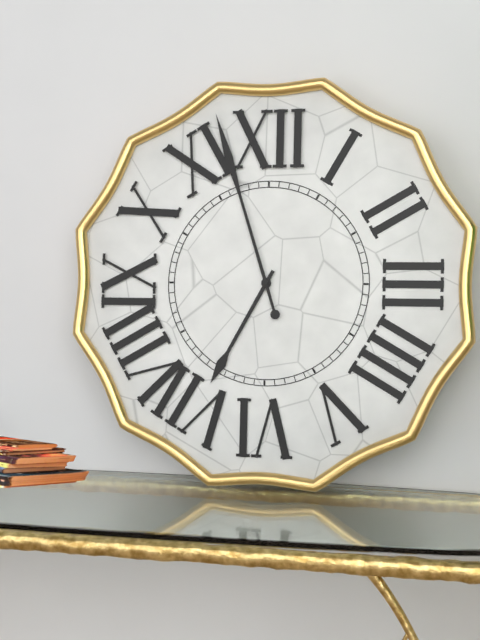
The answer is 6:57
